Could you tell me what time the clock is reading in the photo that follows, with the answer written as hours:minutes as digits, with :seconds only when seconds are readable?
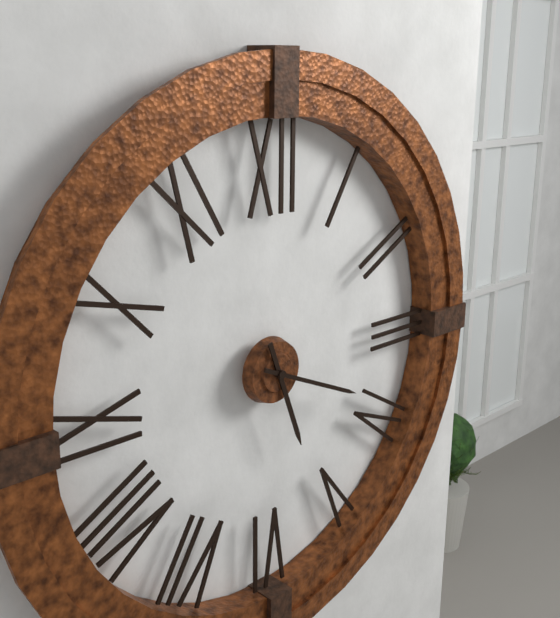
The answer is 5:19
